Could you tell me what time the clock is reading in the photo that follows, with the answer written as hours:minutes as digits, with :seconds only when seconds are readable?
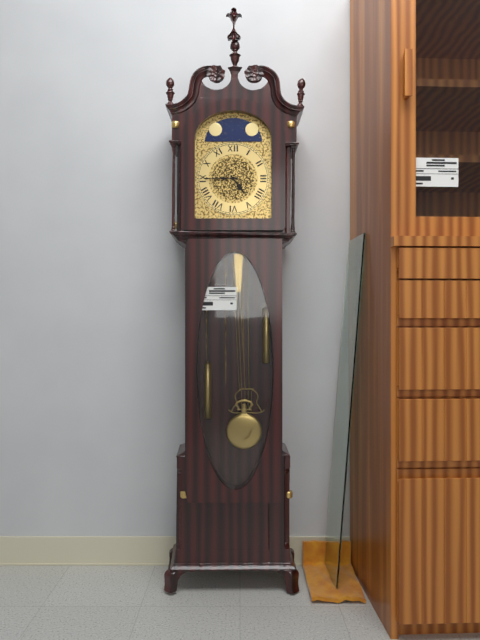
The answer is 4:45
